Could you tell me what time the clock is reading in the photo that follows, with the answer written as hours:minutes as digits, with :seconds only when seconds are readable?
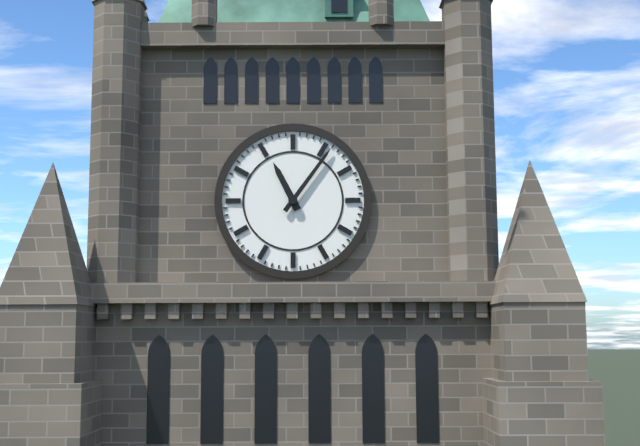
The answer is 11:06
